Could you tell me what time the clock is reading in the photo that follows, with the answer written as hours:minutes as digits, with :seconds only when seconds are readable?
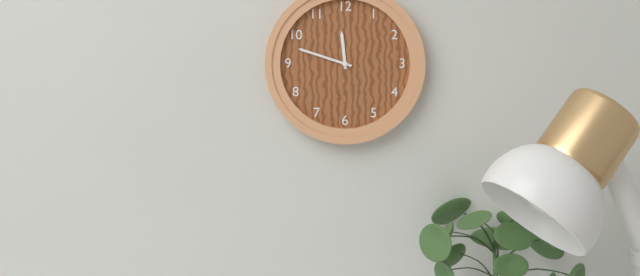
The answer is 11:48
